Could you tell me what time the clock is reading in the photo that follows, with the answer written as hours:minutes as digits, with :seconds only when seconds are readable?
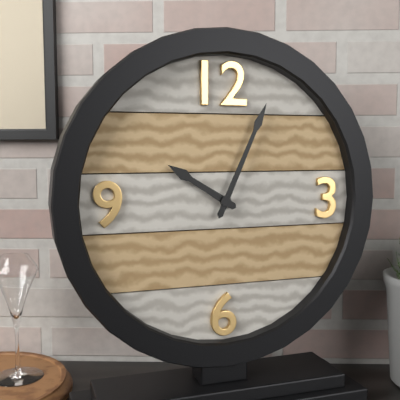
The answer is 10:04
